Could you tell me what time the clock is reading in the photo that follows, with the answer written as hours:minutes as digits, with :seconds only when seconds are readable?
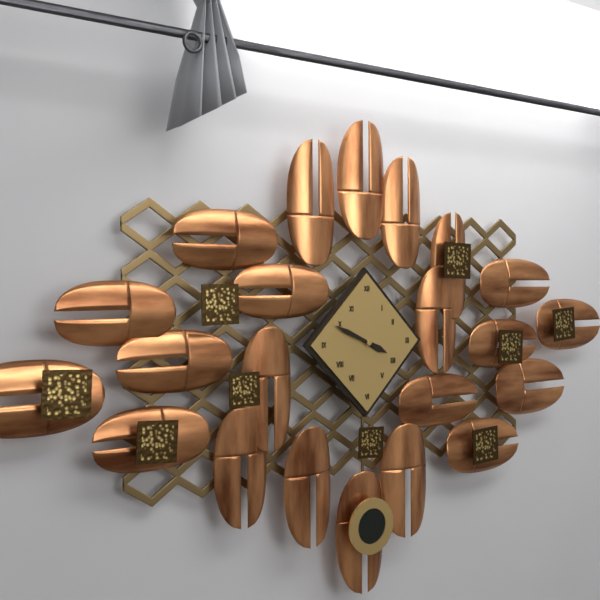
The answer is 3:49
